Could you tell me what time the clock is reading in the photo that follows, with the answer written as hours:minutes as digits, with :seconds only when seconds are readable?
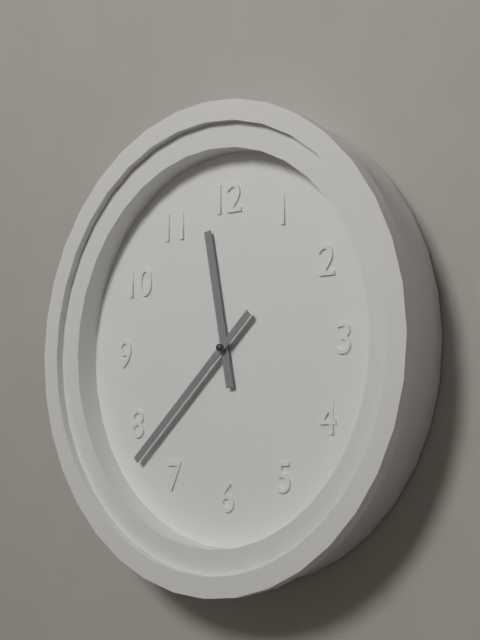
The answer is 11:38
